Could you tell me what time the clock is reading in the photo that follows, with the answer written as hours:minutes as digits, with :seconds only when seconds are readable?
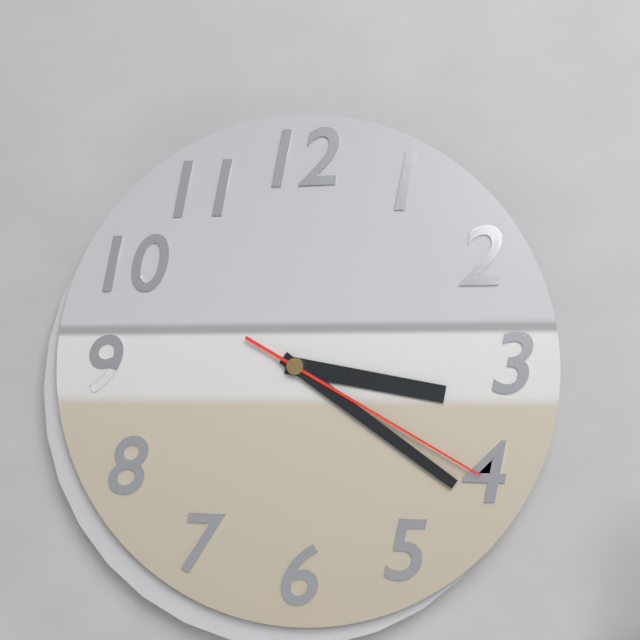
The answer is 3:21:20
